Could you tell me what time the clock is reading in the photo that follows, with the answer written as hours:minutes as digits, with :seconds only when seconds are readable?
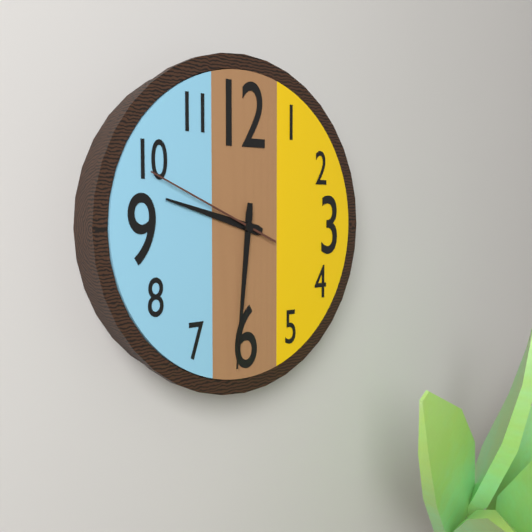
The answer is 9:31:49
